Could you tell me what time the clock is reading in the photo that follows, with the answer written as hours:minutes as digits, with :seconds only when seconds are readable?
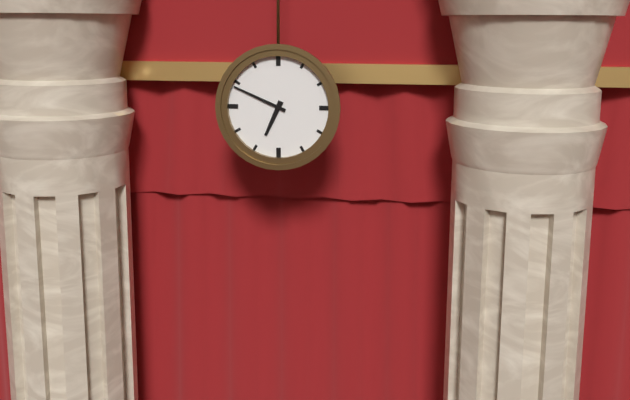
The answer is 6:49
